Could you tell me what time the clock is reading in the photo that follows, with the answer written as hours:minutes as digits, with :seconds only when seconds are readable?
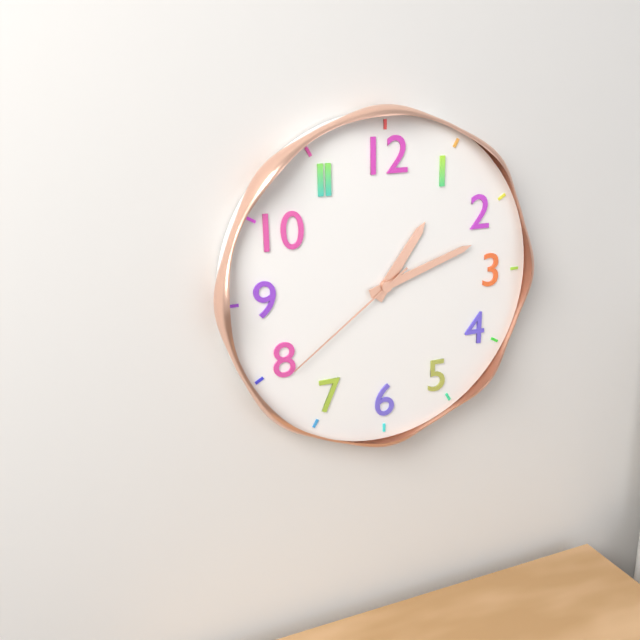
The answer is 1:12:39
